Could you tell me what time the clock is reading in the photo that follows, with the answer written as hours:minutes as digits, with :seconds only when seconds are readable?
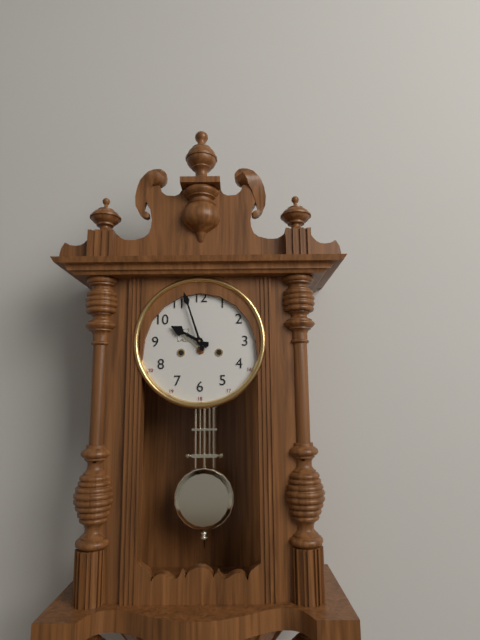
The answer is 9:57
